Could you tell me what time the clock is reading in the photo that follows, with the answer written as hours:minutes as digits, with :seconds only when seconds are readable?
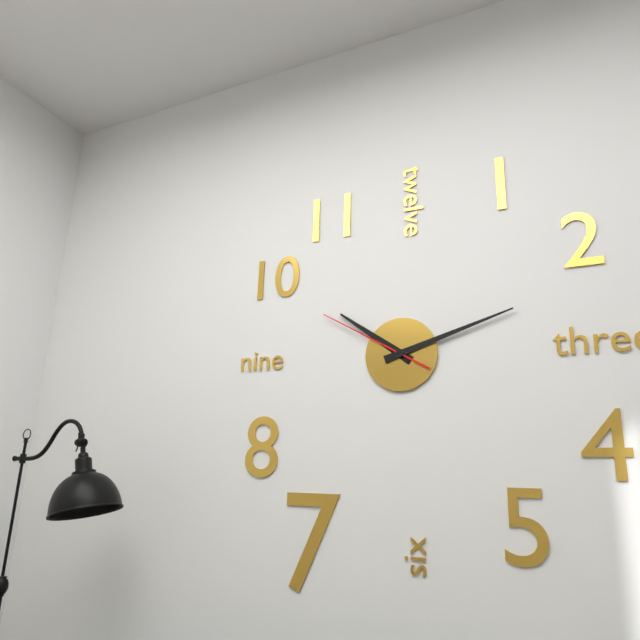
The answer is 10:12:50
